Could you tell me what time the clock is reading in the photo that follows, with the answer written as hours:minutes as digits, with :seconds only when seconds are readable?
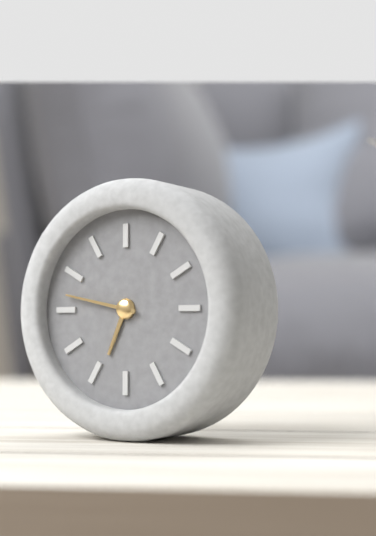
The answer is 6:47
